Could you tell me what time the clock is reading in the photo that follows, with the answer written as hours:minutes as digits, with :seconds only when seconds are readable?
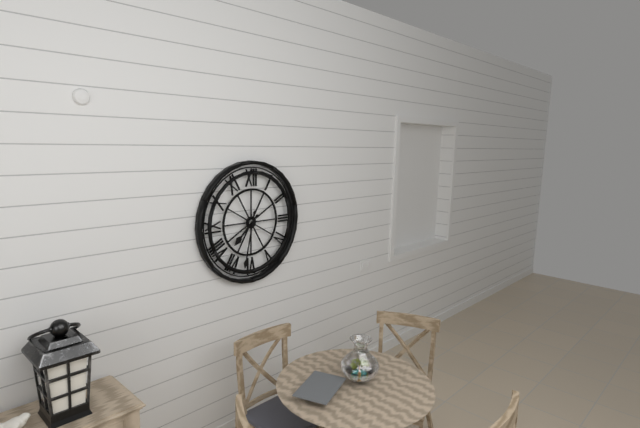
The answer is 7:32
